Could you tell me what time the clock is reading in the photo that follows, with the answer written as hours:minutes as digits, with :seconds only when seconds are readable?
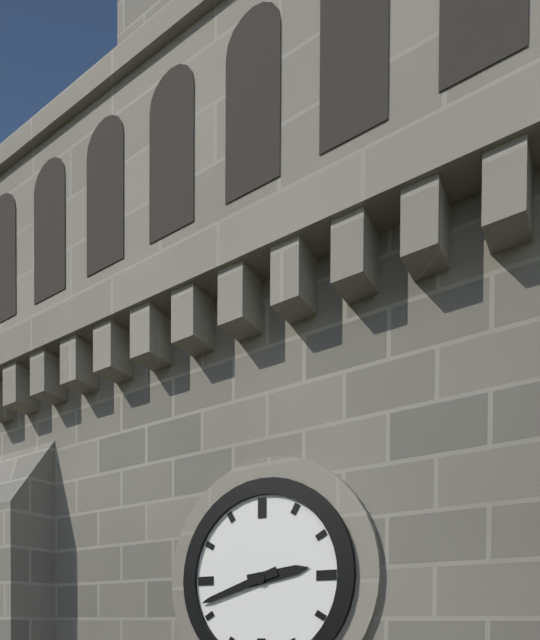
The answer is 2:42
